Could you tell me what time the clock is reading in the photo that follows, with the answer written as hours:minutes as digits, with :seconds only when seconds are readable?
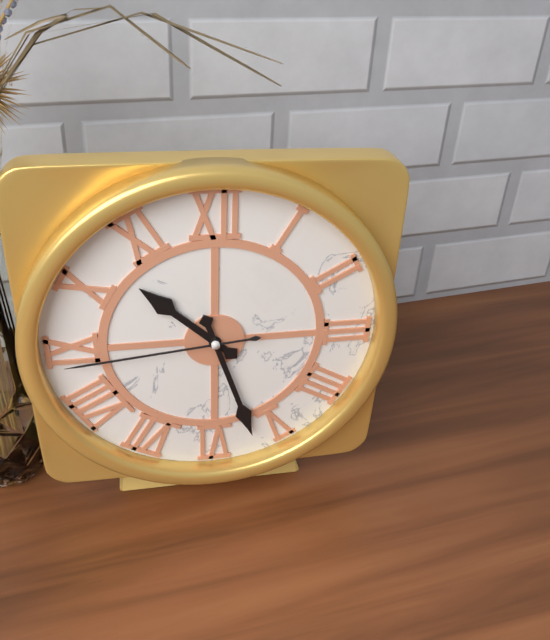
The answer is 10:27:44
